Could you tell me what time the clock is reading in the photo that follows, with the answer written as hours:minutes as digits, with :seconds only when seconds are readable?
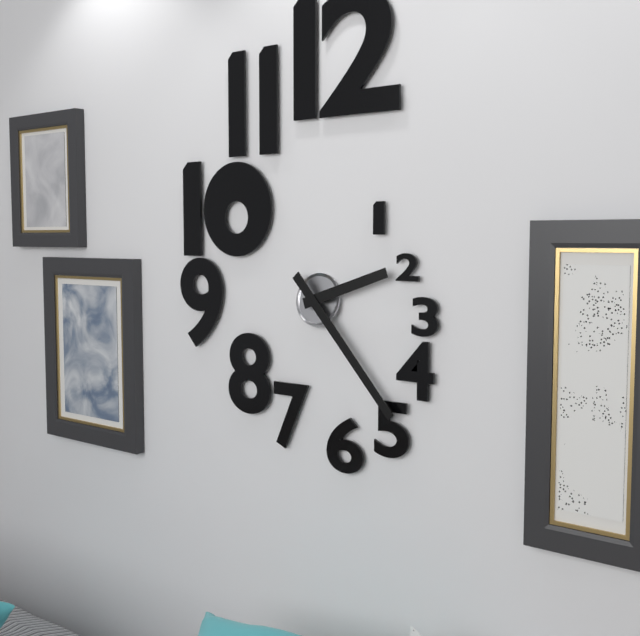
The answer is 2:23
